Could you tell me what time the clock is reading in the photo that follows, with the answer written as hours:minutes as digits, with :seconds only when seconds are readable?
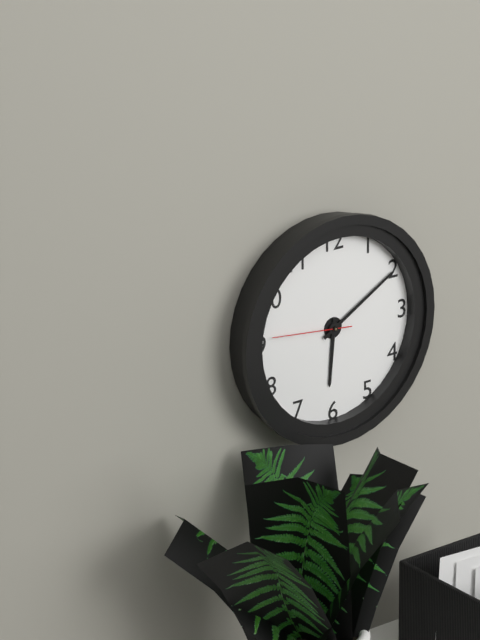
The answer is 6:10:46
